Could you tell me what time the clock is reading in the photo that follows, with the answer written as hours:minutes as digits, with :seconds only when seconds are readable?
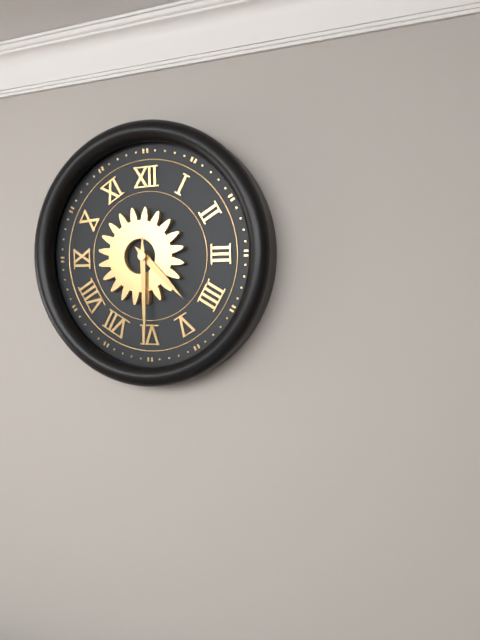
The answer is 4:30
